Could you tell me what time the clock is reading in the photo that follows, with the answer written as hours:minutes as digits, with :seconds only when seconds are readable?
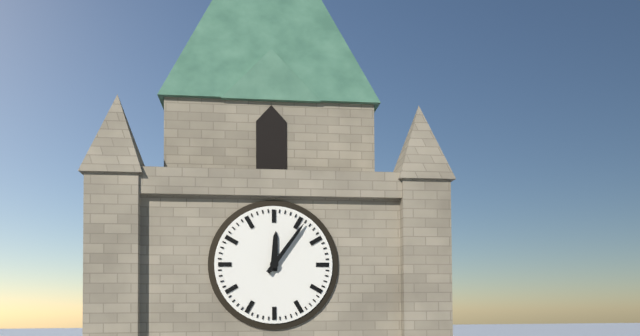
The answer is 12:06
